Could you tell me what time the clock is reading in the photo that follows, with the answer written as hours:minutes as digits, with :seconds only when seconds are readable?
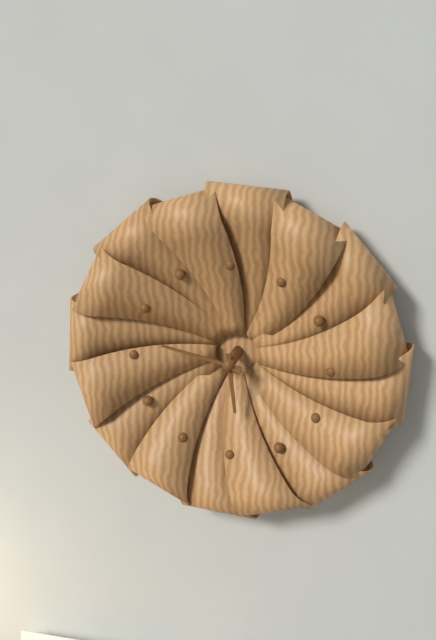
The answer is 5:47
